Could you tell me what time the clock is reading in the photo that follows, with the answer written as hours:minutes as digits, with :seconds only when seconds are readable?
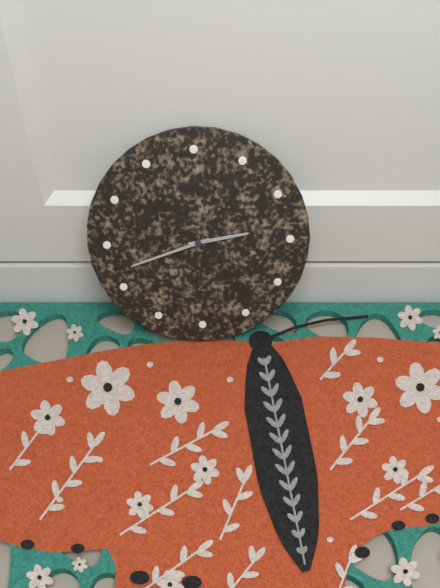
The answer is 2:42
